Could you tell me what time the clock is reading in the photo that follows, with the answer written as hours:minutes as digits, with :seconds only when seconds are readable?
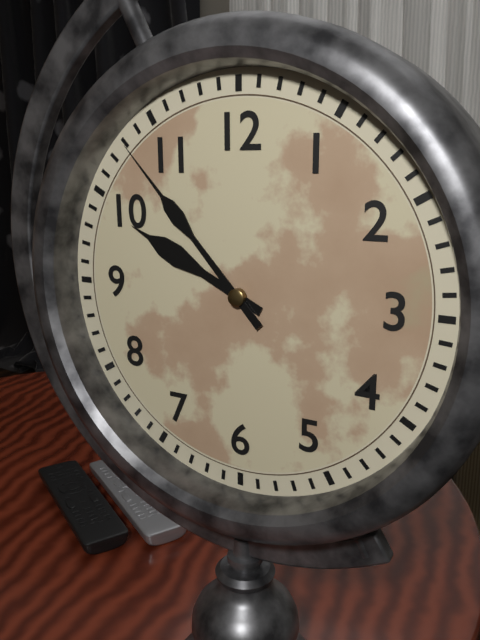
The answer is 9:53
